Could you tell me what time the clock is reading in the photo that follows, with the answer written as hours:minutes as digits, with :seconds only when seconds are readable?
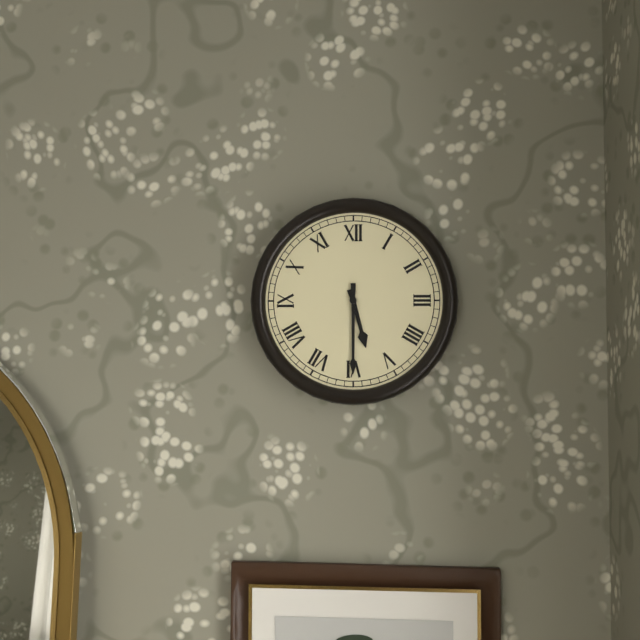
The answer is 5:30
